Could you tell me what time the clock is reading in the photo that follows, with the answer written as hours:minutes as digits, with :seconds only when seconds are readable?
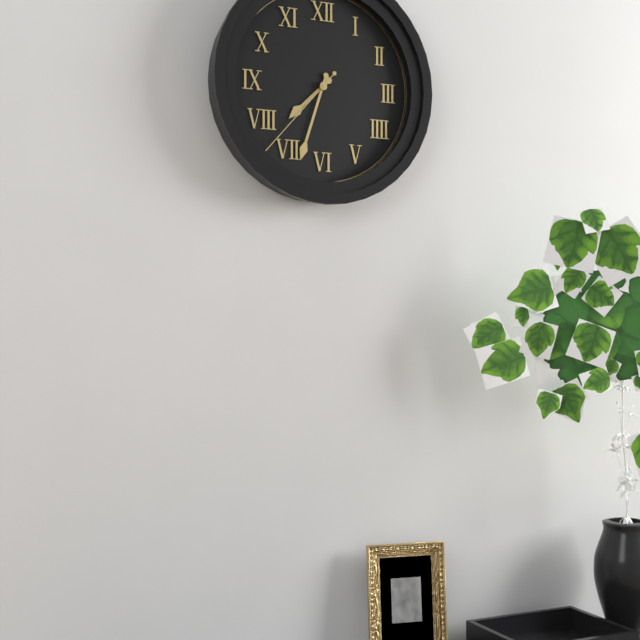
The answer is 7:33:37
